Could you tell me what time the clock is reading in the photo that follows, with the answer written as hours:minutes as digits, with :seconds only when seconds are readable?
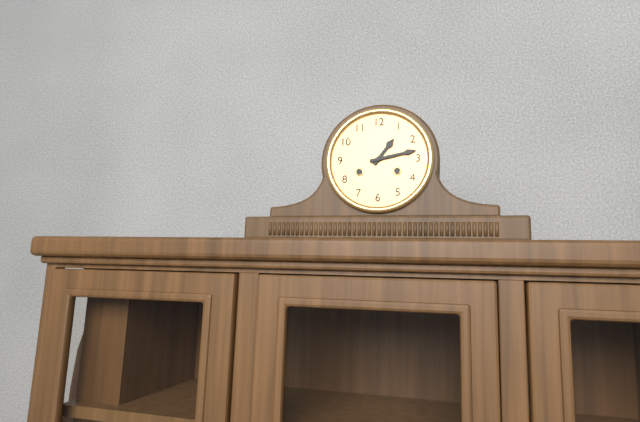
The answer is 1:13
